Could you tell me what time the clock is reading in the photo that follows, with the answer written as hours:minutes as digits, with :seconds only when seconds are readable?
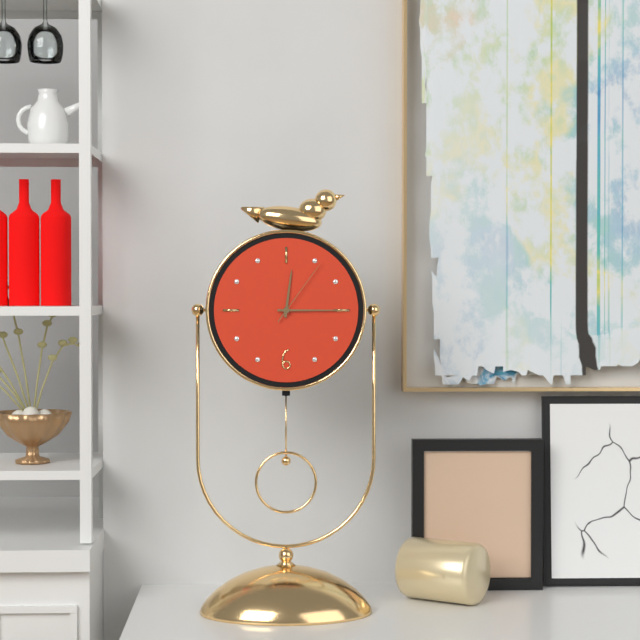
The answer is 12:15:06
